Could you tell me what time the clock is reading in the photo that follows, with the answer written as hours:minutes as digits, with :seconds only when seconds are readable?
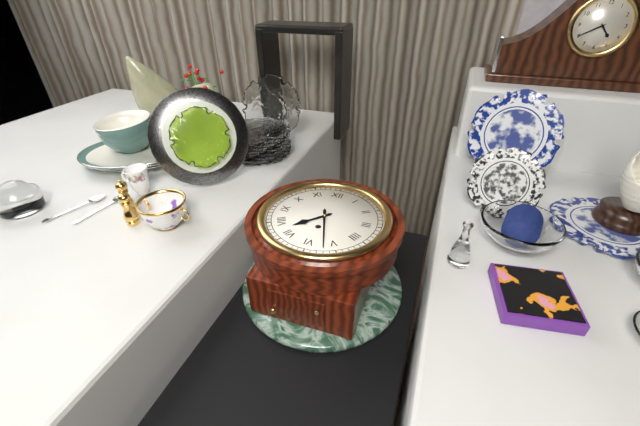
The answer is 7:27
